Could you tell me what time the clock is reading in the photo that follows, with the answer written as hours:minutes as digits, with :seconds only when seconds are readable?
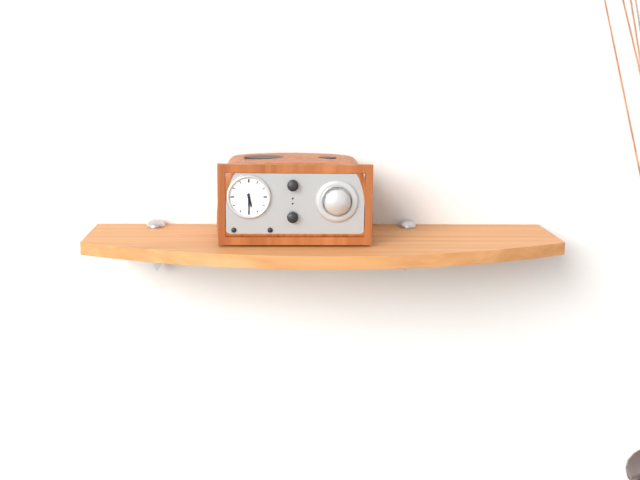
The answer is 5:30
